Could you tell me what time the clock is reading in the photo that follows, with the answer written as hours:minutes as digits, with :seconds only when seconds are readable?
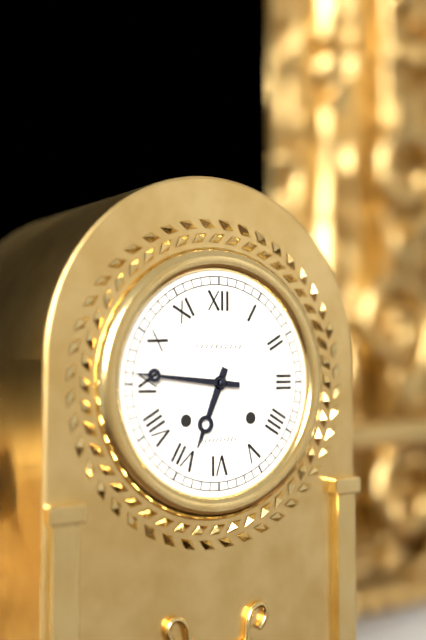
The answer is 6:46
